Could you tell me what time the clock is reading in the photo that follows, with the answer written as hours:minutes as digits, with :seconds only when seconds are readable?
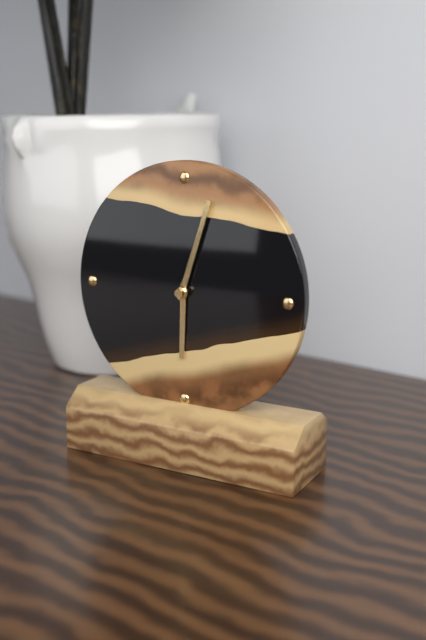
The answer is 6:03
